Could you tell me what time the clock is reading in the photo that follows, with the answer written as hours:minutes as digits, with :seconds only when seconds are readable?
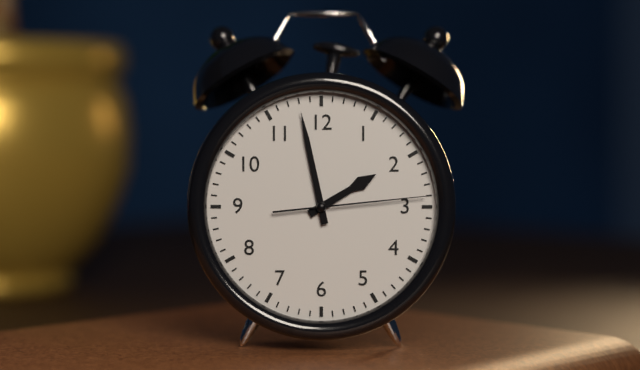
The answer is 1:58:14
